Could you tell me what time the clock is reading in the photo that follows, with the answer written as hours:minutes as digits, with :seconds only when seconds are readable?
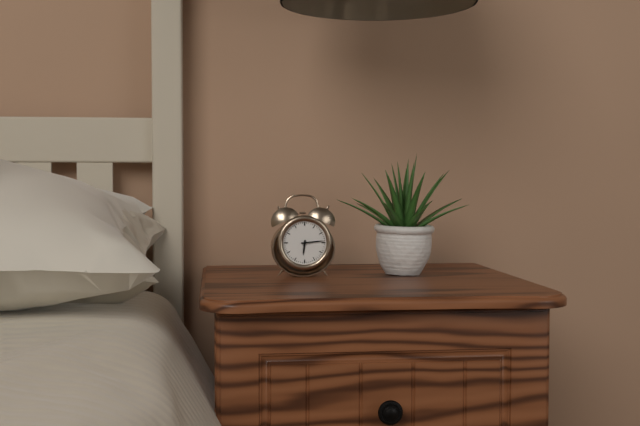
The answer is 6:14
